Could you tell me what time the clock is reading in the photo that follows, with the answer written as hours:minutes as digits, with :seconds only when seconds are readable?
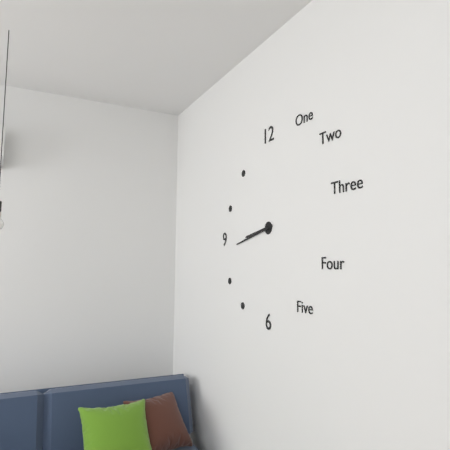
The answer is 8:43
